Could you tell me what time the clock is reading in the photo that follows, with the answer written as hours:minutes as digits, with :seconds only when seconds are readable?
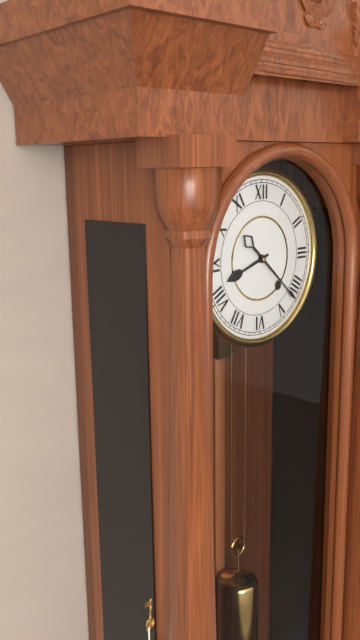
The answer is 8:22
